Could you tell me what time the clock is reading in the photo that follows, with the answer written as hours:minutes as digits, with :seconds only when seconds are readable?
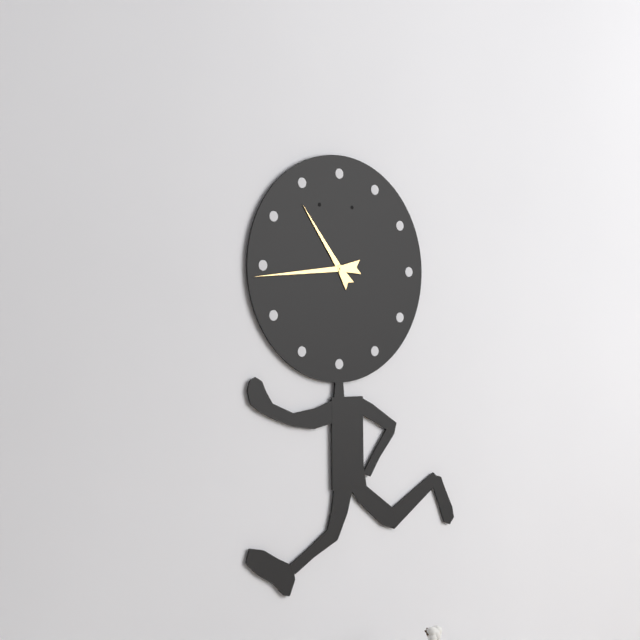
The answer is 10:44
